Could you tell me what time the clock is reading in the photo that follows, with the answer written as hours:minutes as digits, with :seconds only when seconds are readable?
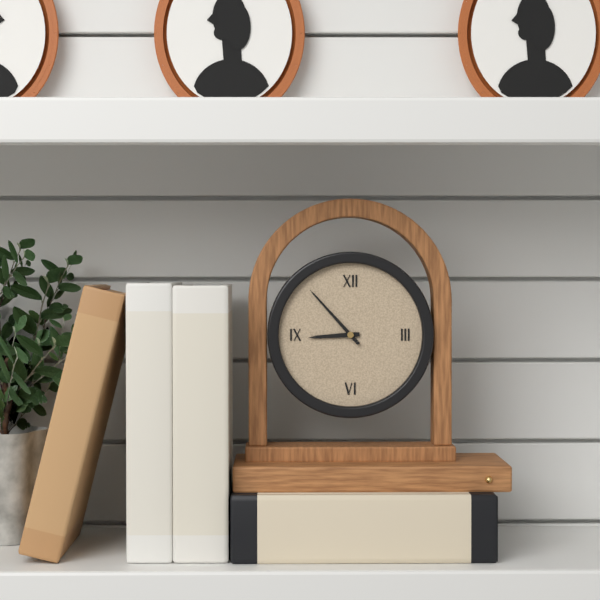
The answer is 8:53
